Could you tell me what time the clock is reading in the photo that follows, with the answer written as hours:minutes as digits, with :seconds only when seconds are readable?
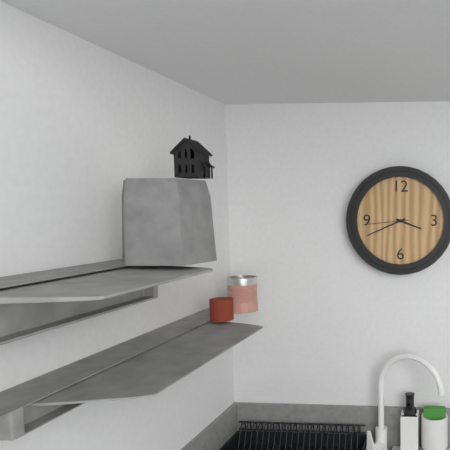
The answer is 3:41
